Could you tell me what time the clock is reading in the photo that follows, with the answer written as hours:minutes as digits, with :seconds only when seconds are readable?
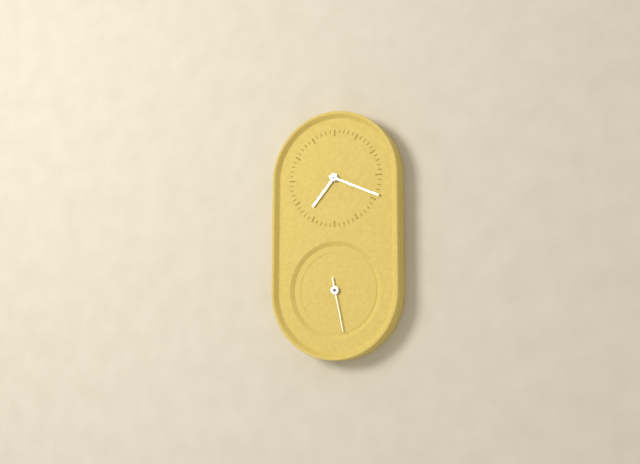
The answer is 7:19:28
